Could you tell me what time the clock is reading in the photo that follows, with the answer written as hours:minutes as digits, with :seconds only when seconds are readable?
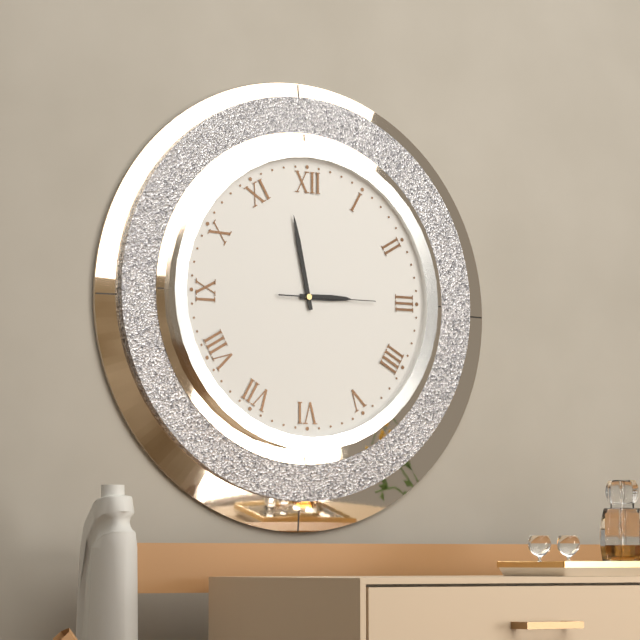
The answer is 2:58:15
